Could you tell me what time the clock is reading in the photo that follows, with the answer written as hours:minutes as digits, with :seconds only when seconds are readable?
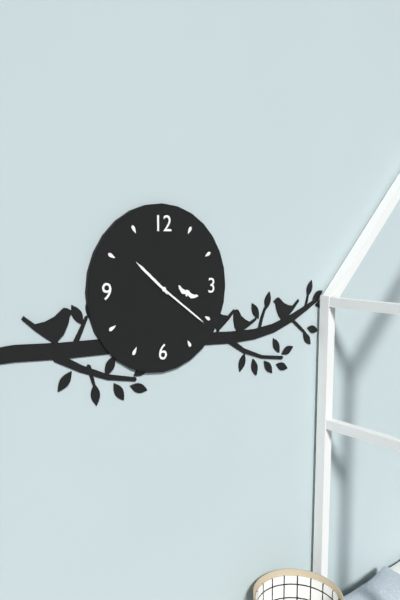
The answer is 10:21
